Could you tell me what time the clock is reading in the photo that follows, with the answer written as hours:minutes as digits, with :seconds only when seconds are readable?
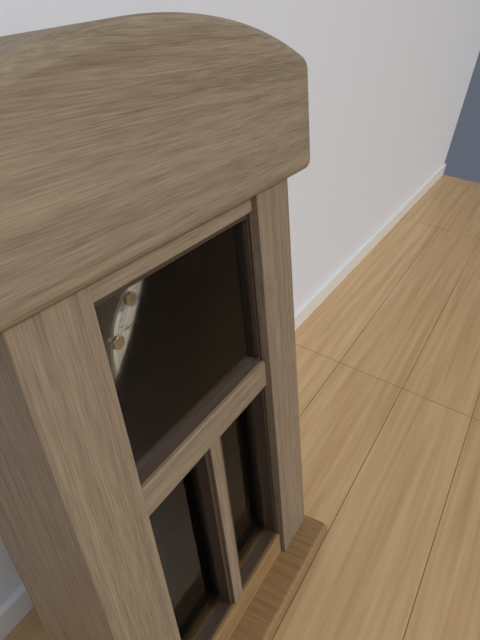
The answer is 2:05
